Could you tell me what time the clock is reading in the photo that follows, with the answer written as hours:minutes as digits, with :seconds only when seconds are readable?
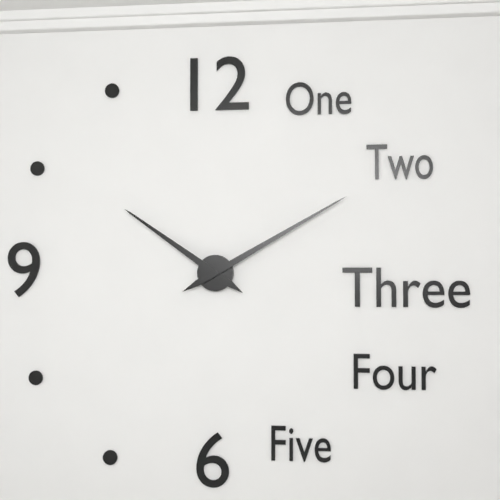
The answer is 10:10
